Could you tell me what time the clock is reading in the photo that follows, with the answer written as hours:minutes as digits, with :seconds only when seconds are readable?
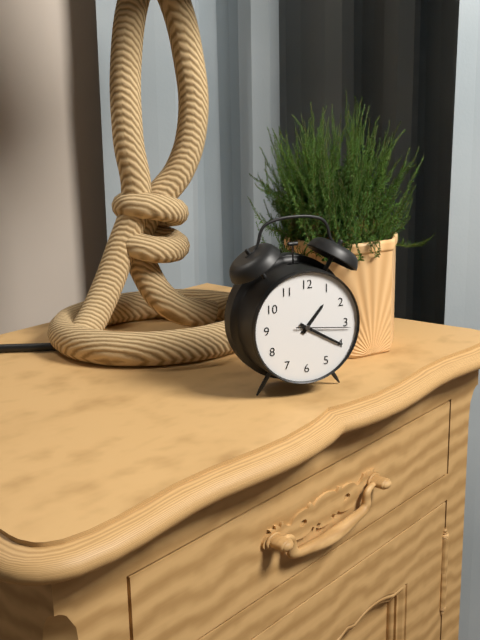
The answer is 1:20:16
